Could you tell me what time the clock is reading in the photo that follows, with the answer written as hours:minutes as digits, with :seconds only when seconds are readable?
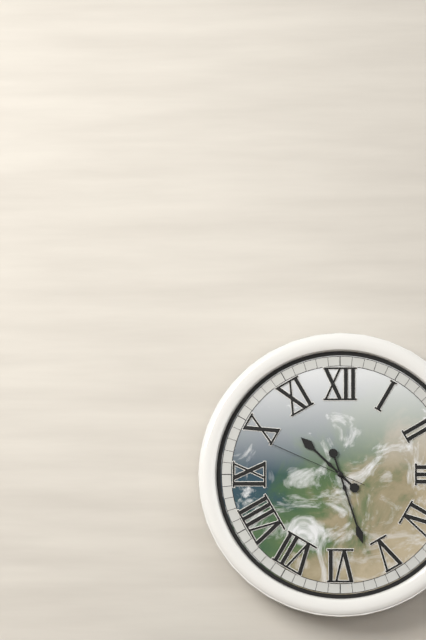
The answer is 10:27:49
